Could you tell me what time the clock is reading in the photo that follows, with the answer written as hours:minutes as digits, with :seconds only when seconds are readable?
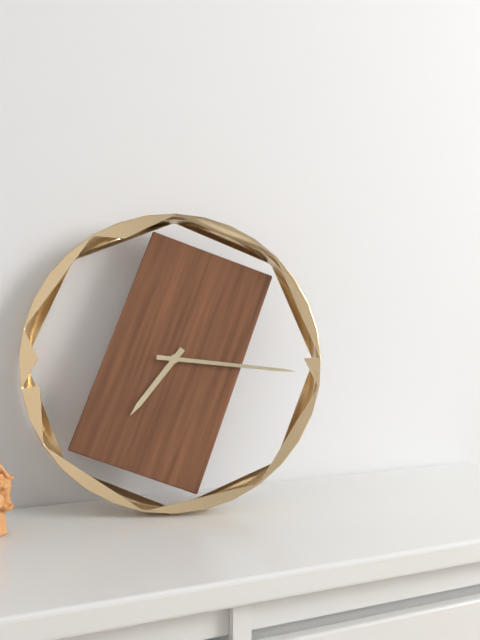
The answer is 7:16
